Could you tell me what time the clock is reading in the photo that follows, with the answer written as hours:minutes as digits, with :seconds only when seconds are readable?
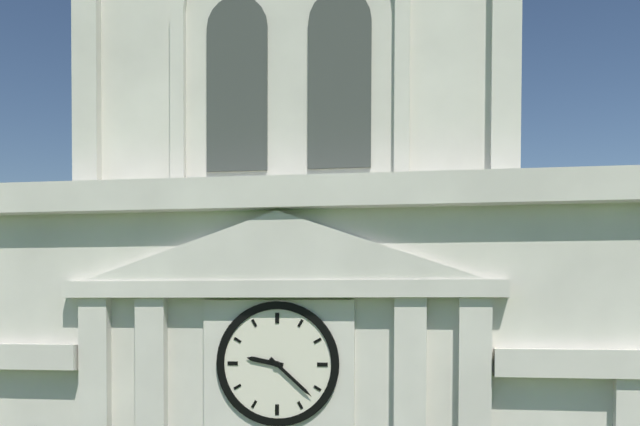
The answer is 9:22
